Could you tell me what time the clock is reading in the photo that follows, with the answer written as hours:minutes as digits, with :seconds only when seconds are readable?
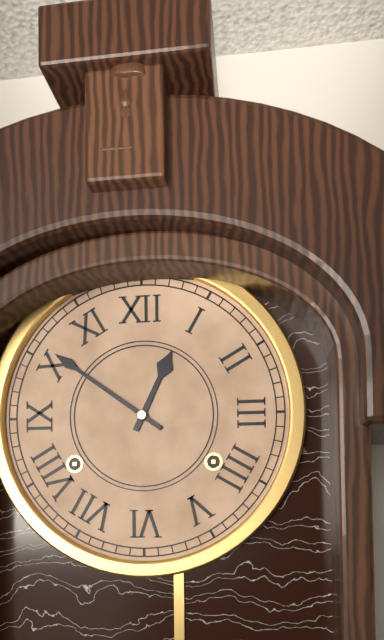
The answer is 12:51
